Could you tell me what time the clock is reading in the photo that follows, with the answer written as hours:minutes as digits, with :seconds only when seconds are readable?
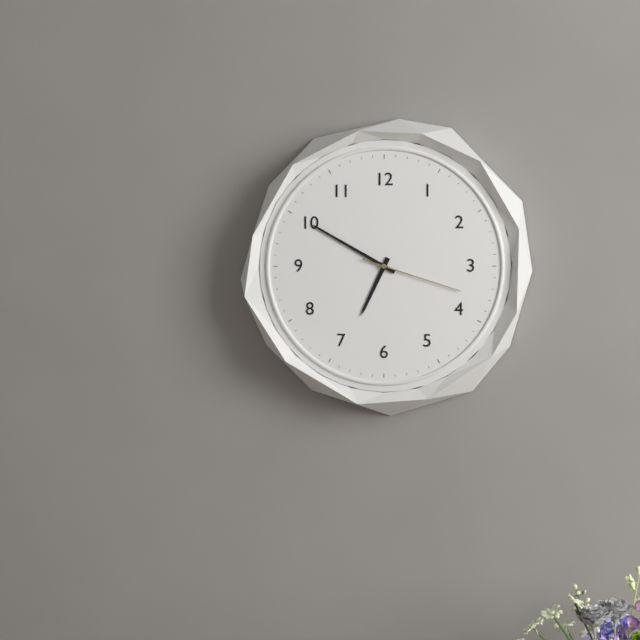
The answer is 6:50:18
